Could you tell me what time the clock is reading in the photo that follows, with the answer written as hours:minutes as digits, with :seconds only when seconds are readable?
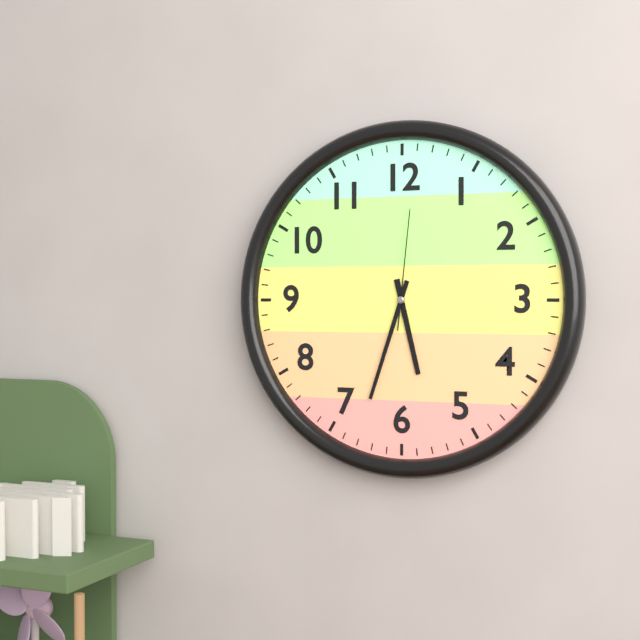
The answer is 5:33:01
